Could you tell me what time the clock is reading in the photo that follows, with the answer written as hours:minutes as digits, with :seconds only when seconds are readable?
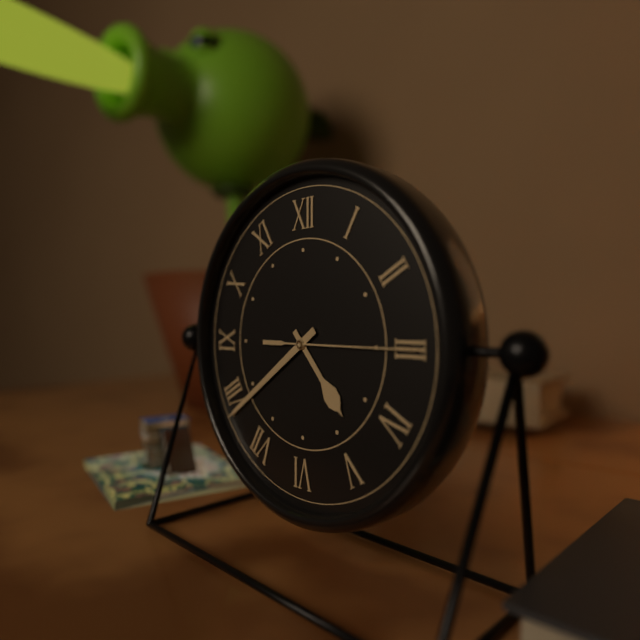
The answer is 4:39:15
